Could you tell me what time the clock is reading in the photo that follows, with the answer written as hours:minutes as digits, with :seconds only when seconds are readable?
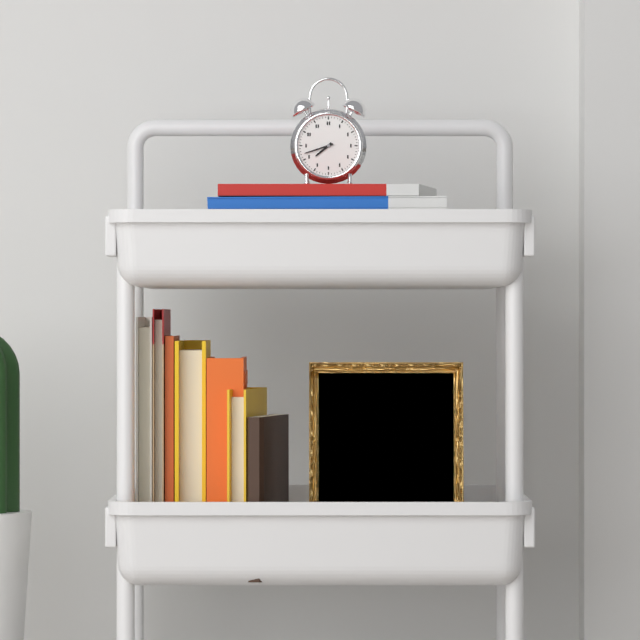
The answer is 7:42
